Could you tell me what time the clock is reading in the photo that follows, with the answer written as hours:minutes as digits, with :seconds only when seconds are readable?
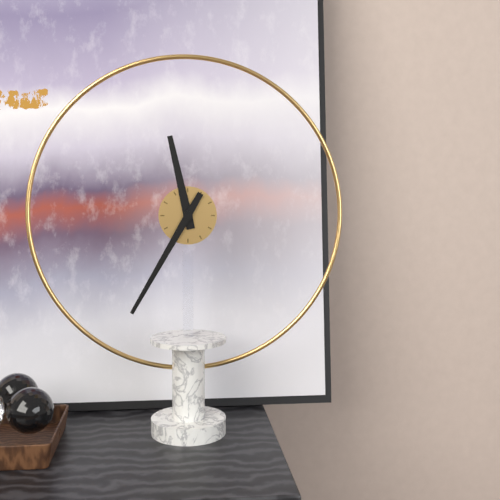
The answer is 11:35
